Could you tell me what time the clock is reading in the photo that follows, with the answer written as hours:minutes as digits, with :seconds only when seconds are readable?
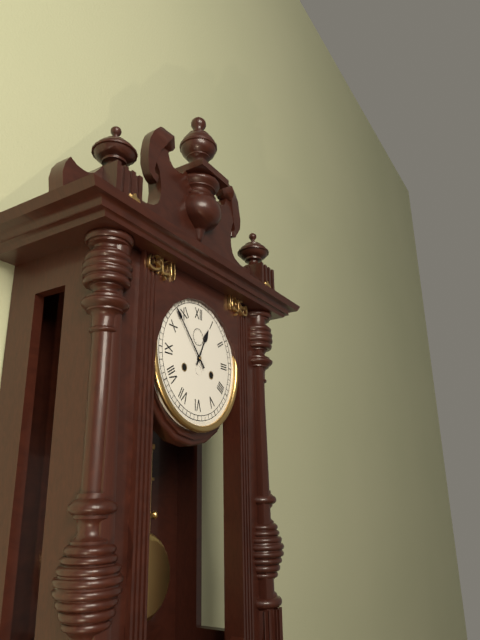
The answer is 12:53
